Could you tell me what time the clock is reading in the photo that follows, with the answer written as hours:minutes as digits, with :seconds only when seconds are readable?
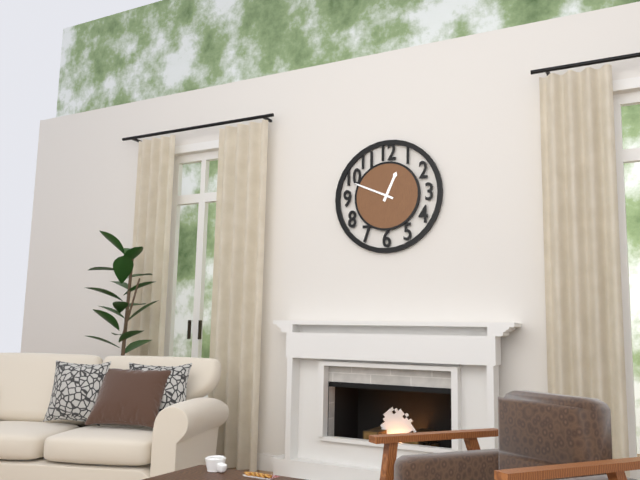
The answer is 12:49
